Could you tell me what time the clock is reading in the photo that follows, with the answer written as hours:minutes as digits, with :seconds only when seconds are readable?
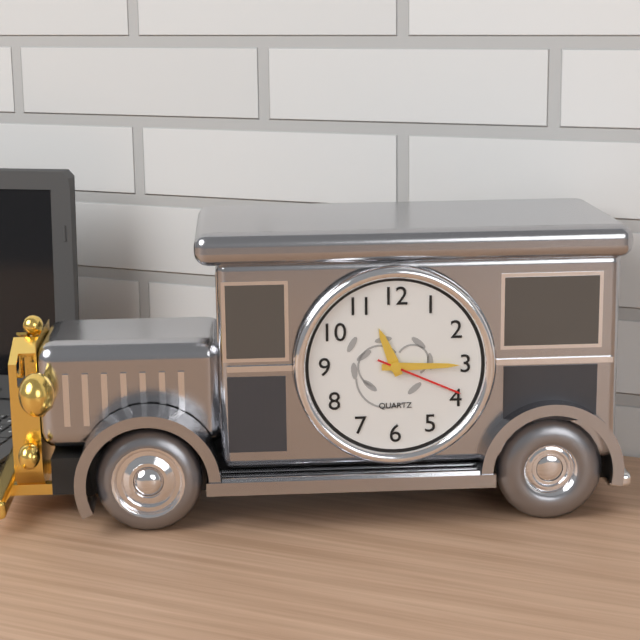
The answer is 11:15:19
